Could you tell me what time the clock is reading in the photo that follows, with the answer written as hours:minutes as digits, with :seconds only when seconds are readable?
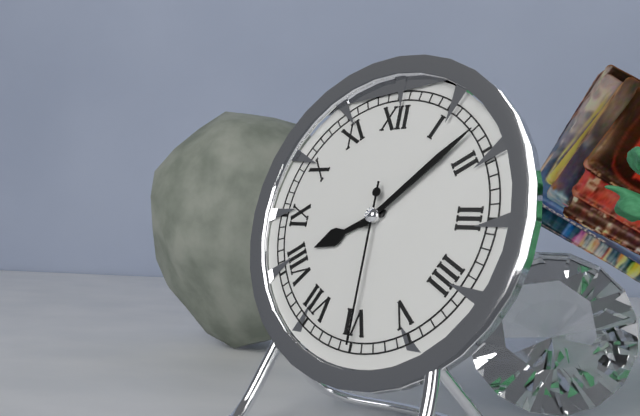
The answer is 8:08:30
